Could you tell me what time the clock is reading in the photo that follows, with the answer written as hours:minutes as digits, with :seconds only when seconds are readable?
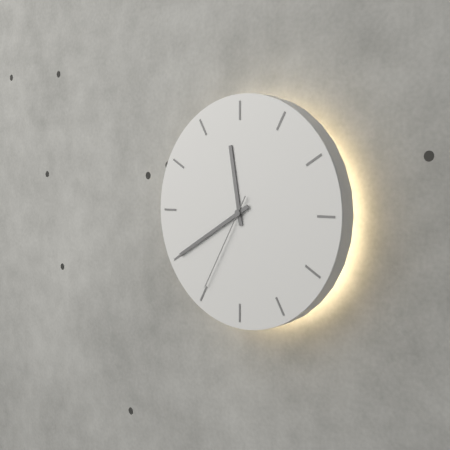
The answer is 11:40:35
